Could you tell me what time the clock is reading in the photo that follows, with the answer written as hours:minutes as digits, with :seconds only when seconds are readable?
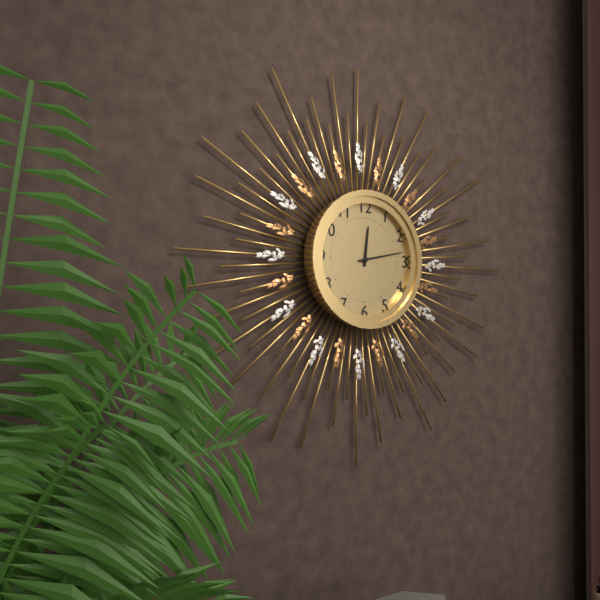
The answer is 12:13
